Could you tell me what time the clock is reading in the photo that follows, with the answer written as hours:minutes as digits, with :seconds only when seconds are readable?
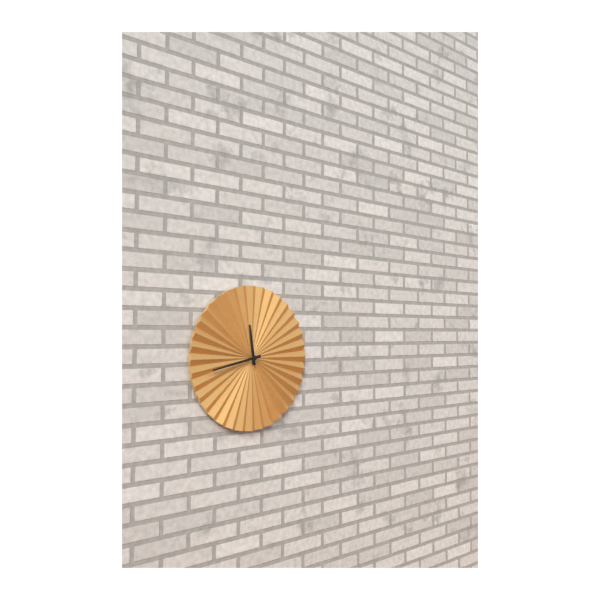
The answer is 11:43
